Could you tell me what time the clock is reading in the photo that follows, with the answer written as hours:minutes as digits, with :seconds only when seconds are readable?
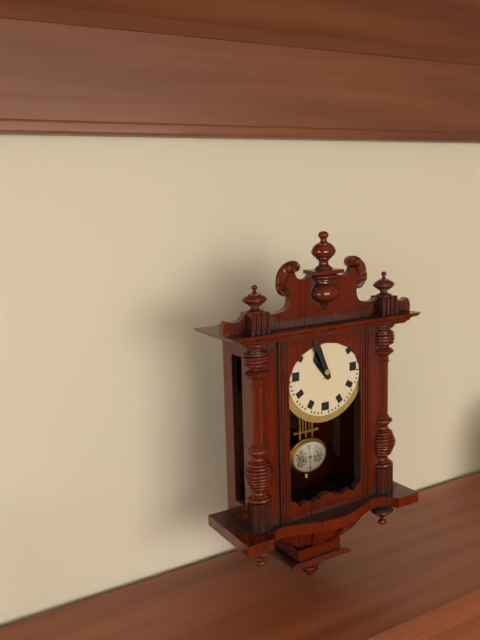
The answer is 10:56
